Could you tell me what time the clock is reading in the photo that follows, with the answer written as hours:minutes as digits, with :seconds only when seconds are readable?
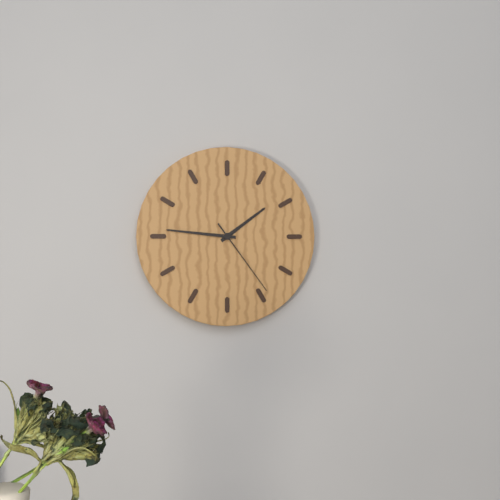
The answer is 1:46:24
